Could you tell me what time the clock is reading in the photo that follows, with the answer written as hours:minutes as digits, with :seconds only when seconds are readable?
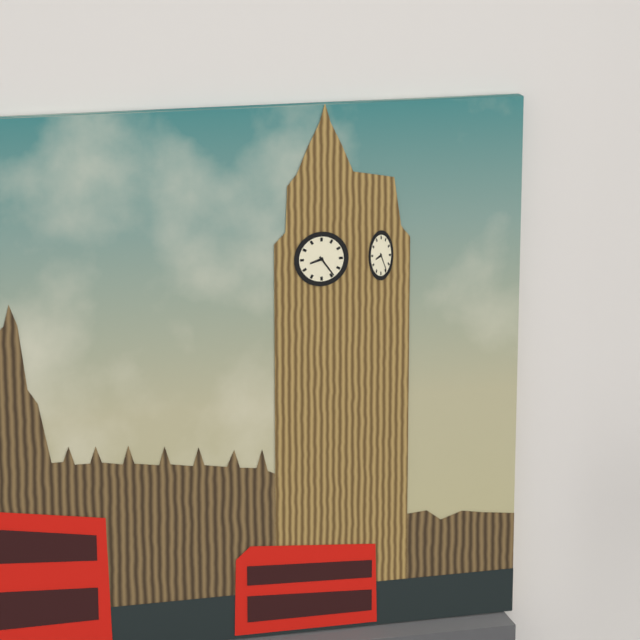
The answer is 8:24
